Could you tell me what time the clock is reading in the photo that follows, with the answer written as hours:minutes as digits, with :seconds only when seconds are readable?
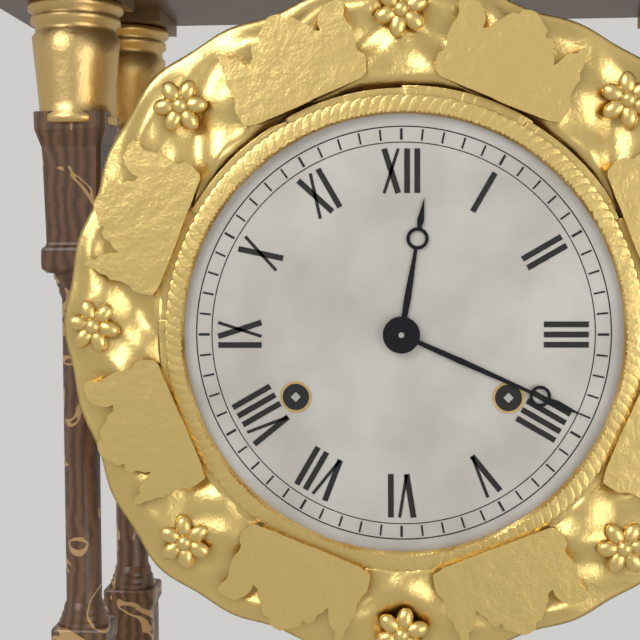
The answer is 12:19
